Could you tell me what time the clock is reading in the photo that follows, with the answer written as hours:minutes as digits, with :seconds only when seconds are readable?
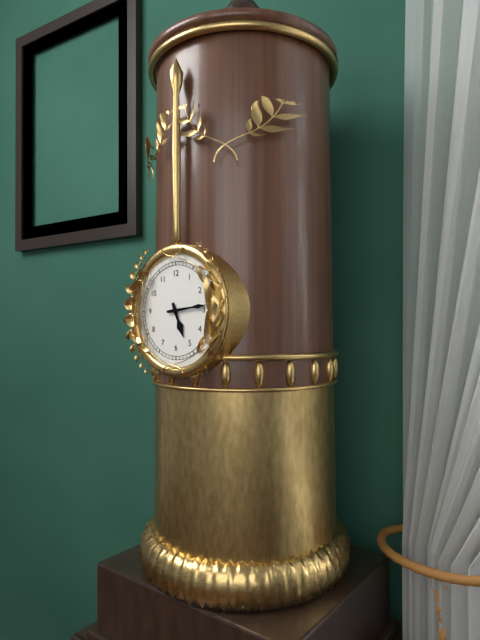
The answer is 5:14
